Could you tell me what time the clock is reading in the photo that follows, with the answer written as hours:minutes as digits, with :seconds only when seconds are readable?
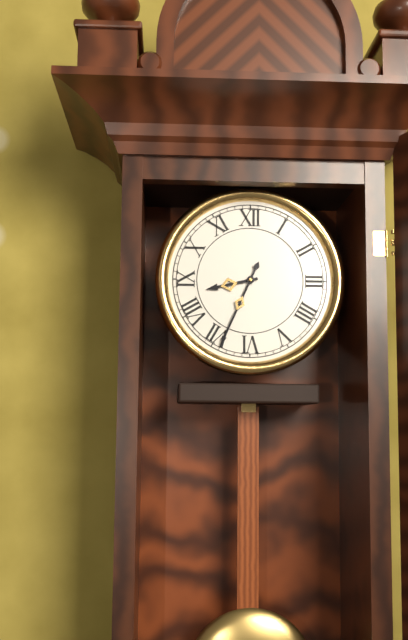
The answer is 8:34
